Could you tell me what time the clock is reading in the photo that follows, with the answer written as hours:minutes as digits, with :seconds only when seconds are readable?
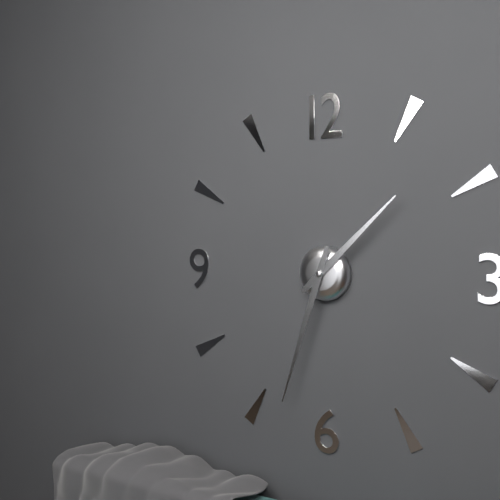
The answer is 1:33
